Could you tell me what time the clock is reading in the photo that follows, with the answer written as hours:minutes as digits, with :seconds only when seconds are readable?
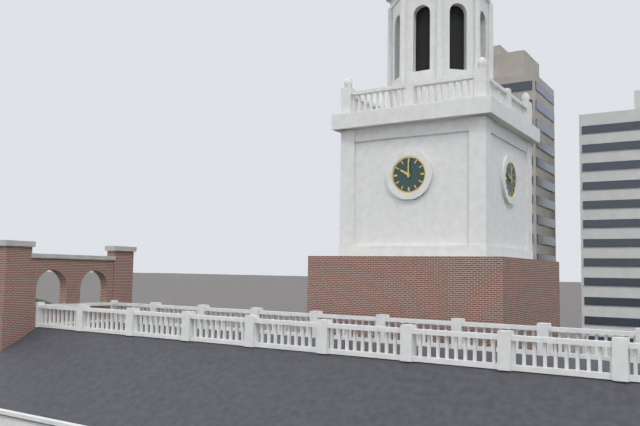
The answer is 10:00
